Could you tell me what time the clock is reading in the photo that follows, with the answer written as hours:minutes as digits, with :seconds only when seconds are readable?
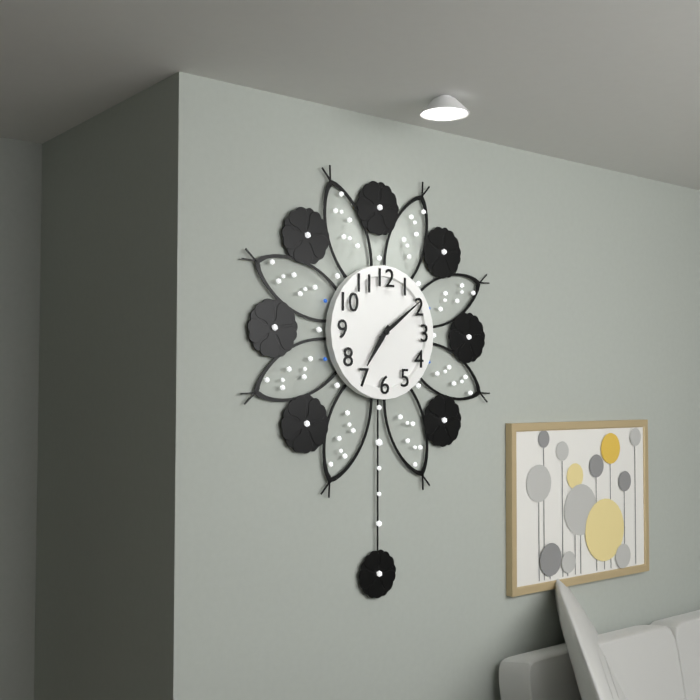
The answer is 7:09
